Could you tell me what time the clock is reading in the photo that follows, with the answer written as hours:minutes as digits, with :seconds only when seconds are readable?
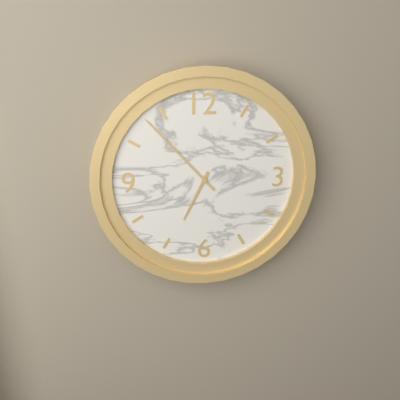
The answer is 6:53
